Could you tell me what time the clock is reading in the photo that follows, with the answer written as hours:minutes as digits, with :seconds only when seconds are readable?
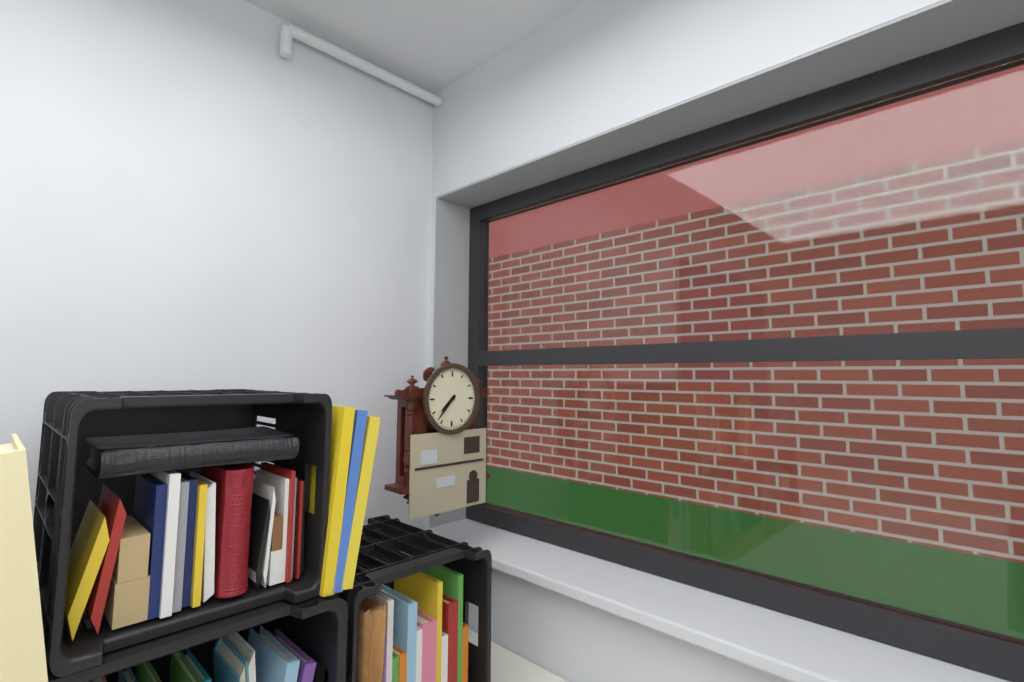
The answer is 7:37
